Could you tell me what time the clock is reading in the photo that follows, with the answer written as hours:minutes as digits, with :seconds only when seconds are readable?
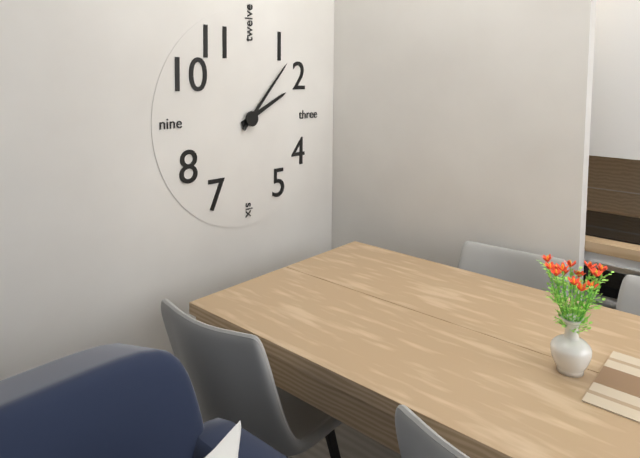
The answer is 2:07
